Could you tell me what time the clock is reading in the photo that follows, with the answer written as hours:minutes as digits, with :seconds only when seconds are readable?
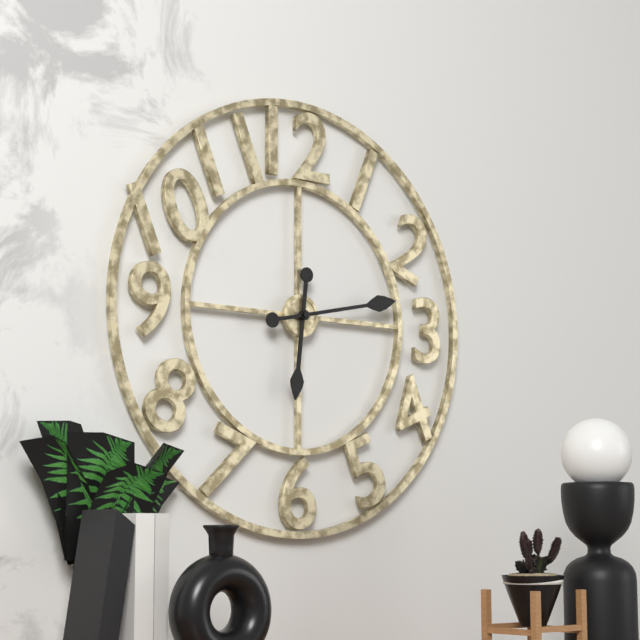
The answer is 6:13
